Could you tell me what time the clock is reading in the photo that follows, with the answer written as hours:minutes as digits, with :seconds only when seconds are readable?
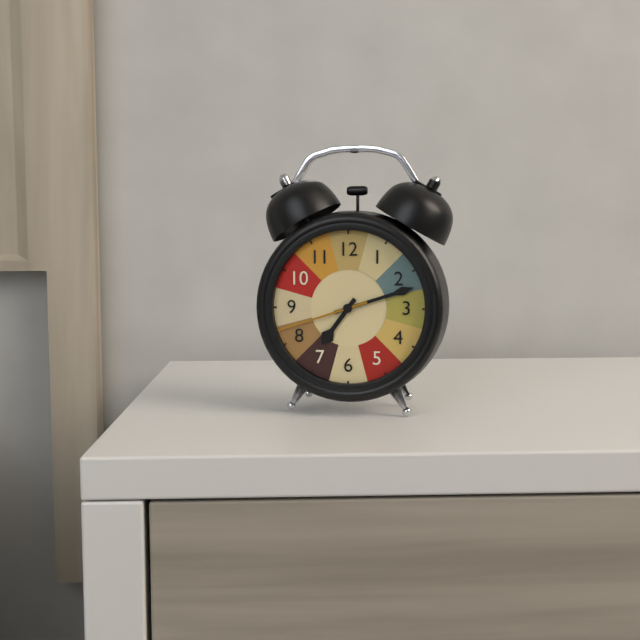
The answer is 7:12:42
